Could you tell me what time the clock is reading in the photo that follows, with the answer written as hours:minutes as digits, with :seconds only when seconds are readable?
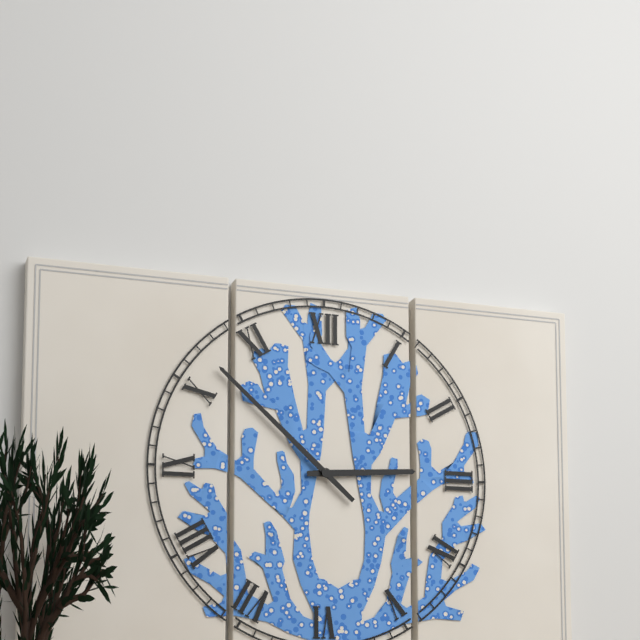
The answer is 2:52
